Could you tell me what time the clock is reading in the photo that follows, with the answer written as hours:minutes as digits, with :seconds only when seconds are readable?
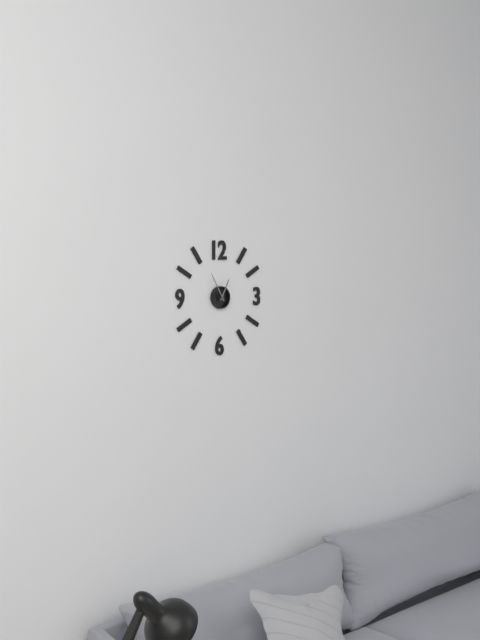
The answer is 12:55
